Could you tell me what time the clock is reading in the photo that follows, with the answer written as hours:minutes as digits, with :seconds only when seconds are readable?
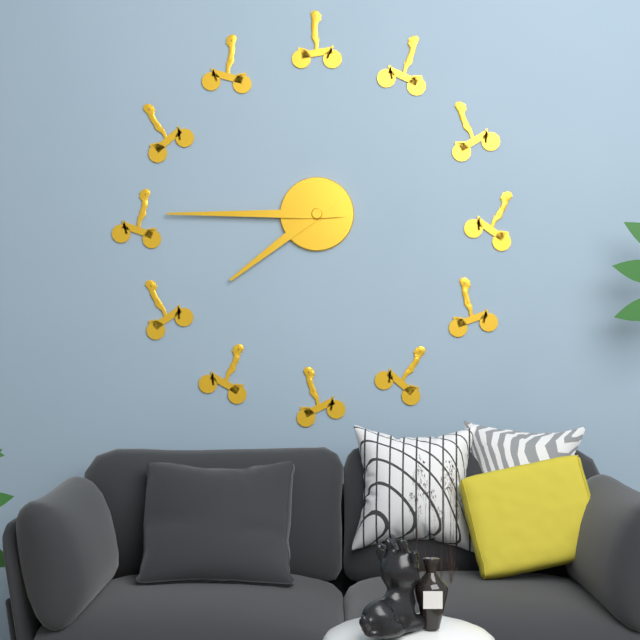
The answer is 7:45
